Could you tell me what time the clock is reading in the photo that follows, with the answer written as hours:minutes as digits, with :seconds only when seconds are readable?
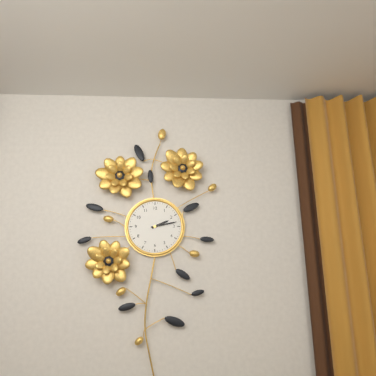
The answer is 2:13
